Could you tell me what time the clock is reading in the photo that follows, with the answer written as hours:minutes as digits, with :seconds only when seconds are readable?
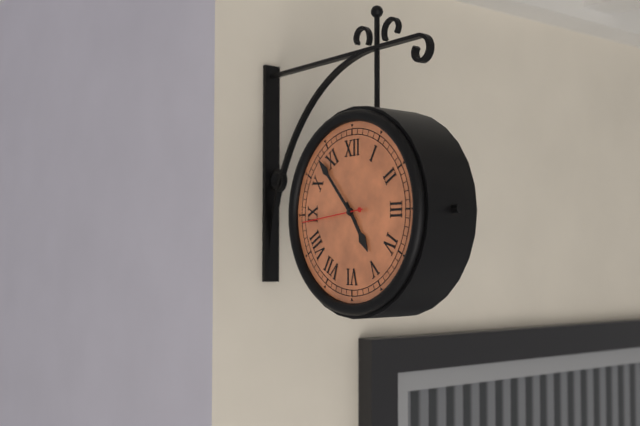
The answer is 4:53:44
